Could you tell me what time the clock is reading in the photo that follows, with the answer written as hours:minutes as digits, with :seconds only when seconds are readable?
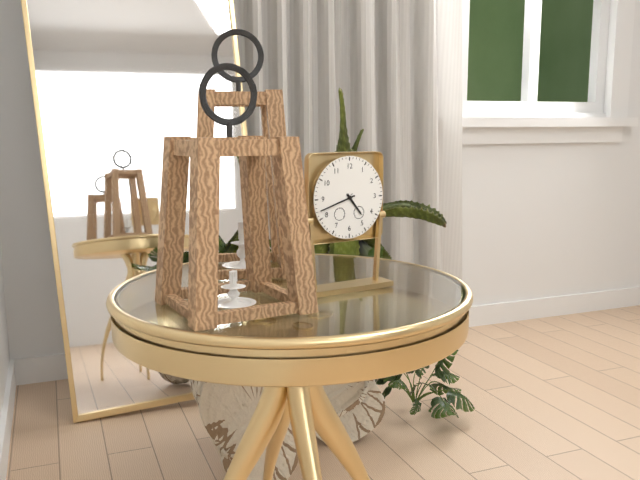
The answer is 4:42
